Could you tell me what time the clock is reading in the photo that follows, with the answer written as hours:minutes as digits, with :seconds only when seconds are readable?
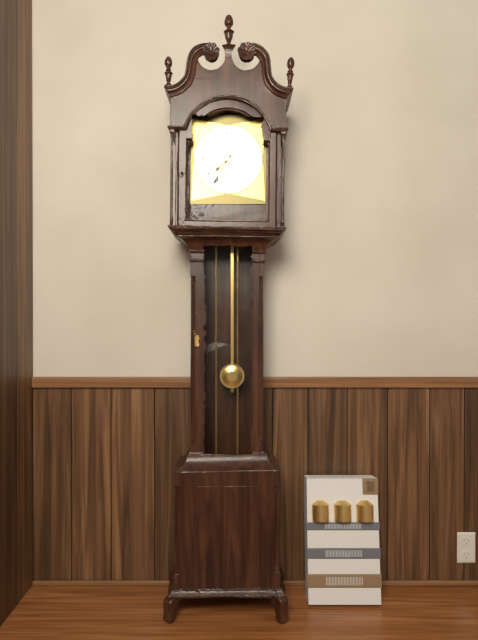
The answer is 7:35
